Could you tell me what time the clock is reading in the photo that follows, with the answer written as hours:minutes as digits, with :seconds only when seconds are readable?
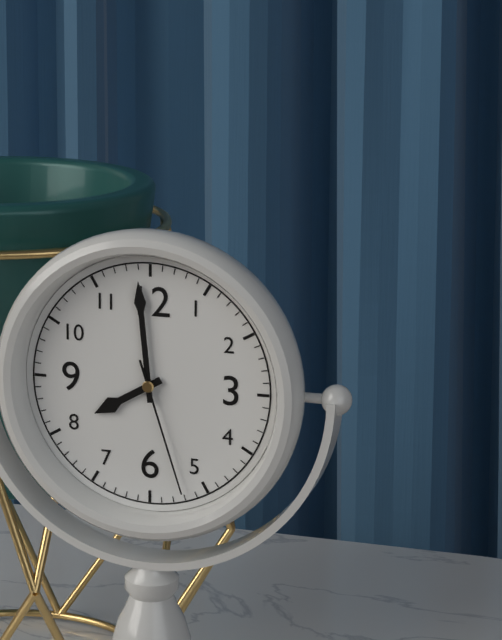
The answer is 7:59:27
